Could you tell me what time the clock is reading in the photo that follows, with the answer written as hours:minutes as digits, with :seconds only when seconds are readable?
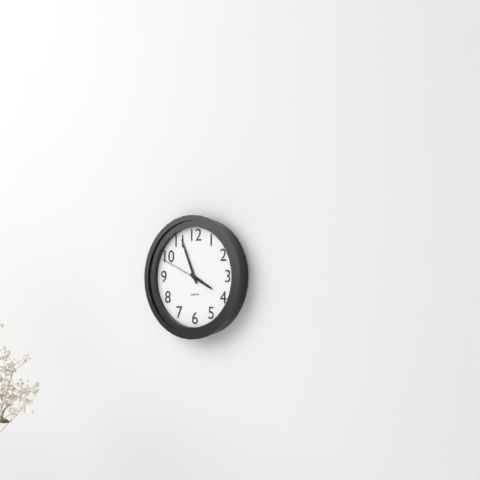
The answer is 3:56
